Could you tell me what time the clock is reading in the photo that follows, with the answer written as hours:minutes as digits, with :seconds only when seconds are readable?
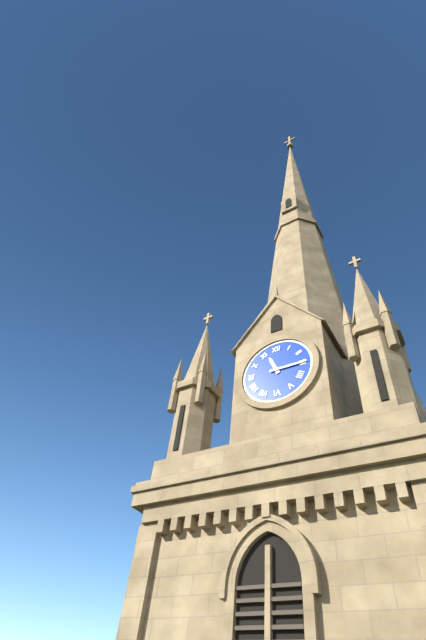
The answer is 11:15
